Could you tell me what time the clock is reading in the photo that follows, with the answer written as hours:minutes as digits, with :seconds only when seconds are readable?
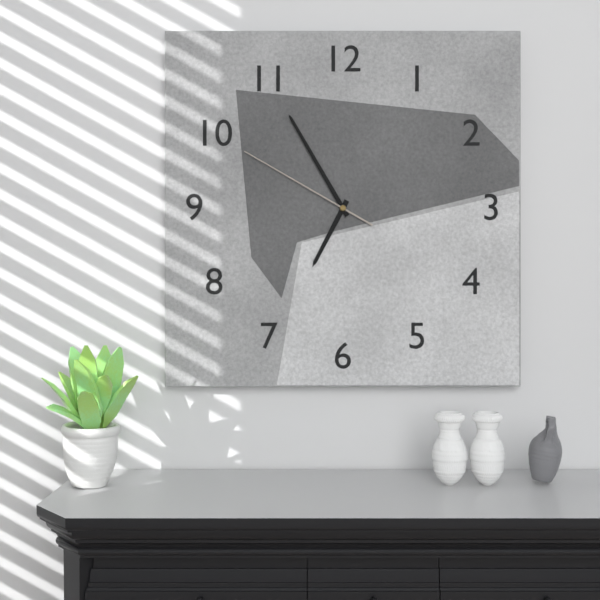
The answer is 6:55:50
